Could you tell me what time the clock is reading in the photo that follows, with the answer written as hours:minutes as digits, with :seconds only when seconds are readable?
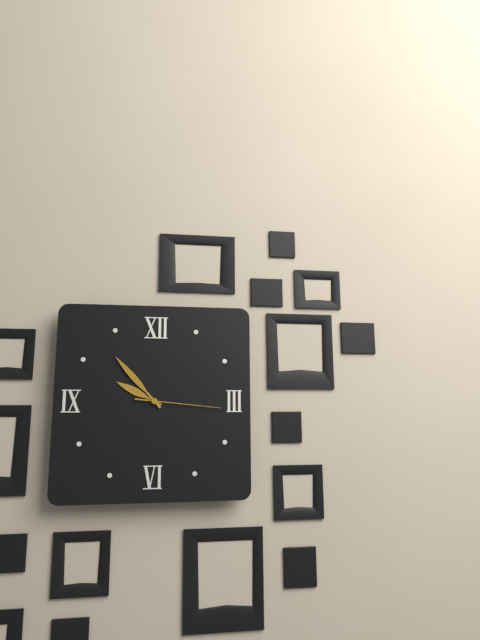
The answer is 9:53:16
